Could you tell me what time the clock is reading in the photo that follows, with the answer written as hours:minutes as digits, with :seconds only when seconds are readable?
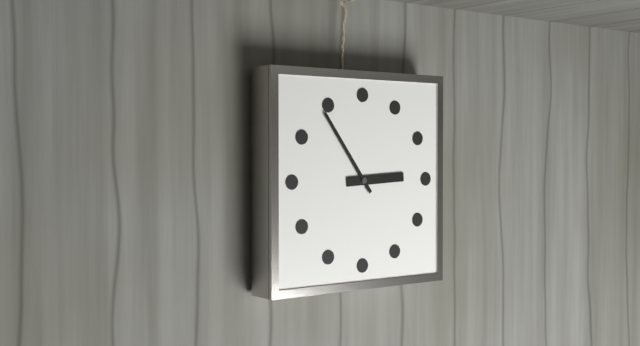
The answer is 2:54
